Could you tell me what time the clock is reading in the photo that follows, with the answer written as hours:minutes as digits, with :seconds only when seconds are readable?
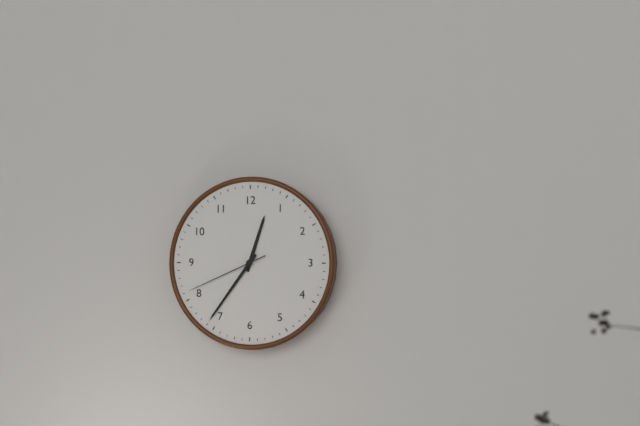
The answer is 12:36:41
